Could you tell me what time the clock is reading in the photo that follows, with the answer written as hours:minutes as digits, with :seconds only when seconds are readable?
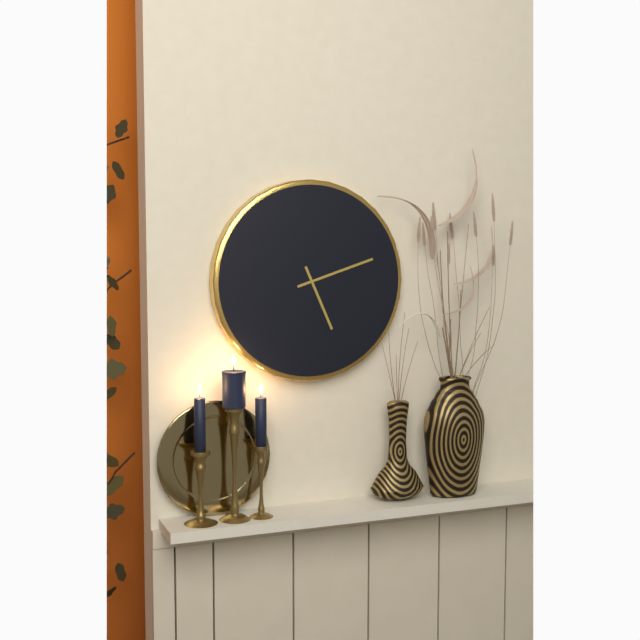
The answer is 5:12
